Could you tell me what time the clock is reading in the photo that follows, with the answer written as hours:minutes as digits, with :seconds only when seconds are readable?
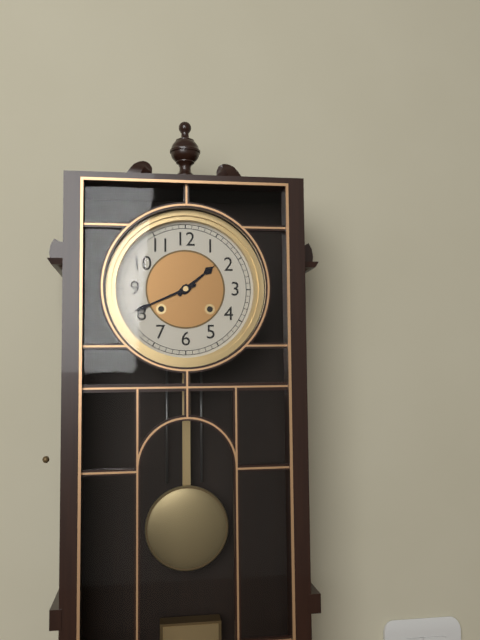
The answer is 1:41
